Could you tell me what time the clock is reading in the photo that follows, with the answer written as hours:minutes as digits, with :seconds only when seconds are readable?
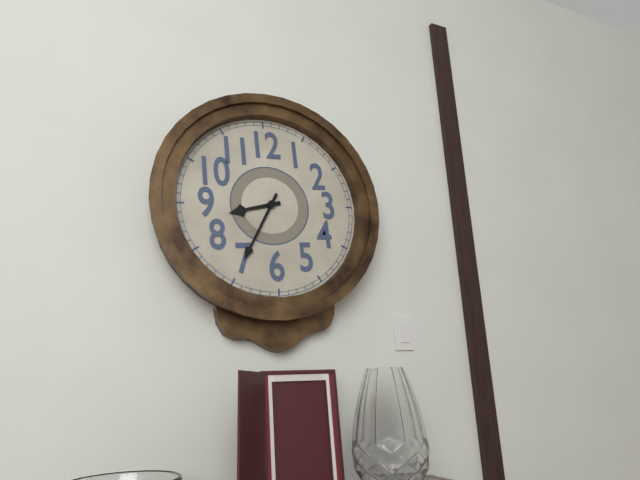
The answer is 8:35
